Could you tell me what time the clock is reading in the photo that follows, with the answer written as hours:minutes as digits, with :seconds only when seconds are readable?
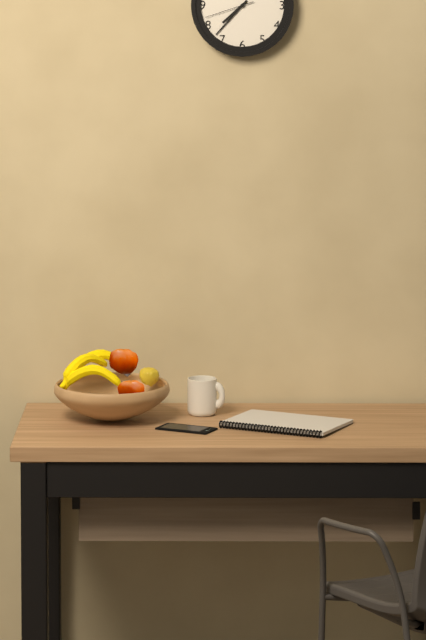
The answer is 7:37
